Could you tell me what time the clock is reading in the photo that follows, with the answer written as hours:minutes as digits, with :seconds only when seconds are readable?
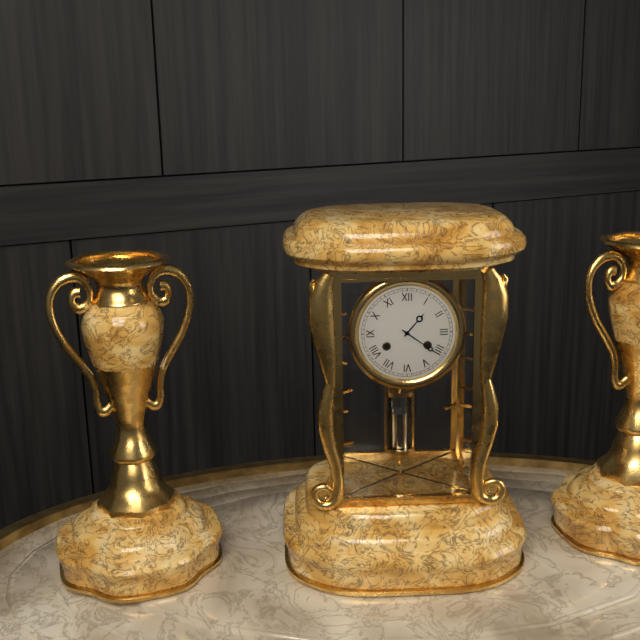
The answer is 1:21
